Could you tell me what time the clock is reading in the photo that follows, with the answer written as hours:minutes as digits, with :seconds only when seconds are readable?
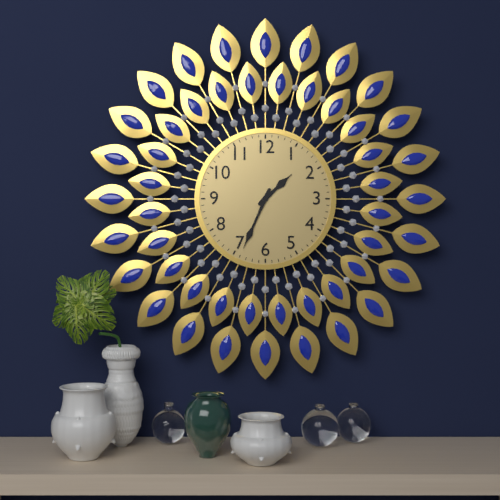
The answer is 1:34
